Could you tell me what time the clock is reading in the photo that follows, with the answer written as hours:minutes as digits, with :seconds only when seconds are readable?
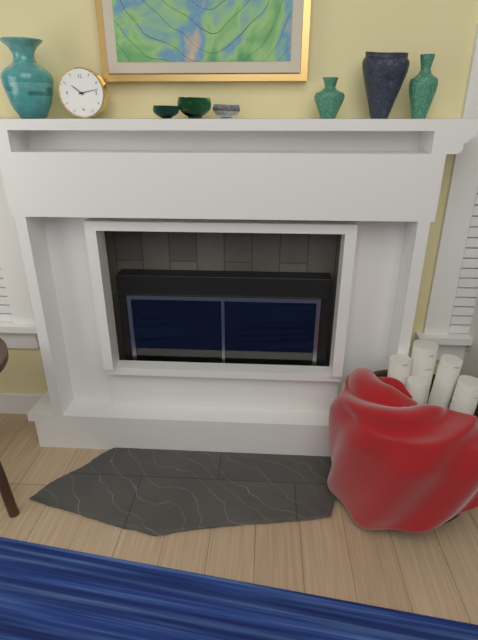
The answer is 10:13
